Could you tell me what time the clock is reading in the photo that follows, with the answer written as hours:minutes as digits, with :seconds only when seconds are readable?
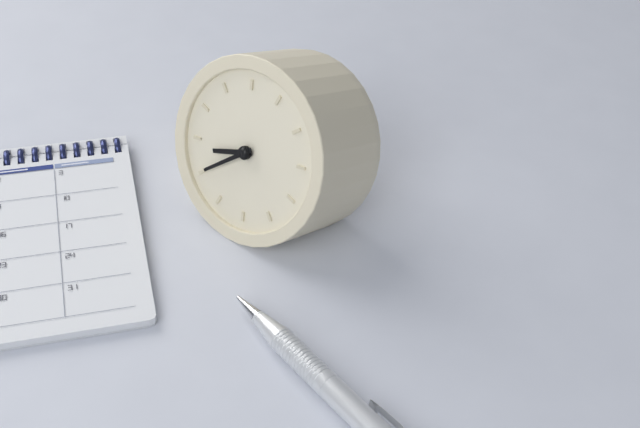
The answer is 8:40
